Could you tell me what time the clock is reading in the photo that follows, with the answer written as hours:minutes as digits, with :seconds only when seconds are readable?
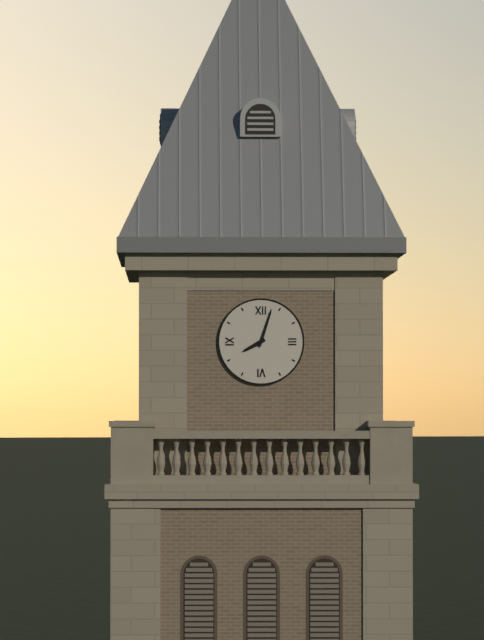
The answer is 8:03
